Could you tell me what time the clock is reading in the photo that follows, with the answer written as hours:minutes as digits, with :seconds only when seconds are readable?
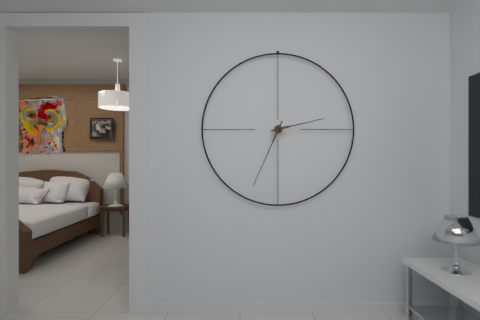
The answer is 2:34
